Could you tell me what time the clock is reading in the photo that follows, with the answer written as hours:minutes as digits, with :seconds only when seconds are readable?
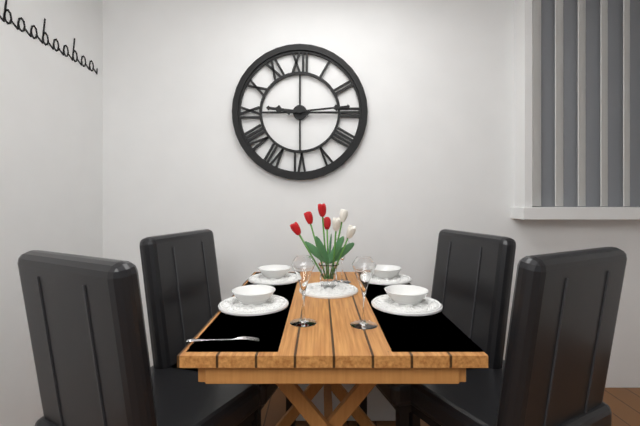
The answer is 9:14
